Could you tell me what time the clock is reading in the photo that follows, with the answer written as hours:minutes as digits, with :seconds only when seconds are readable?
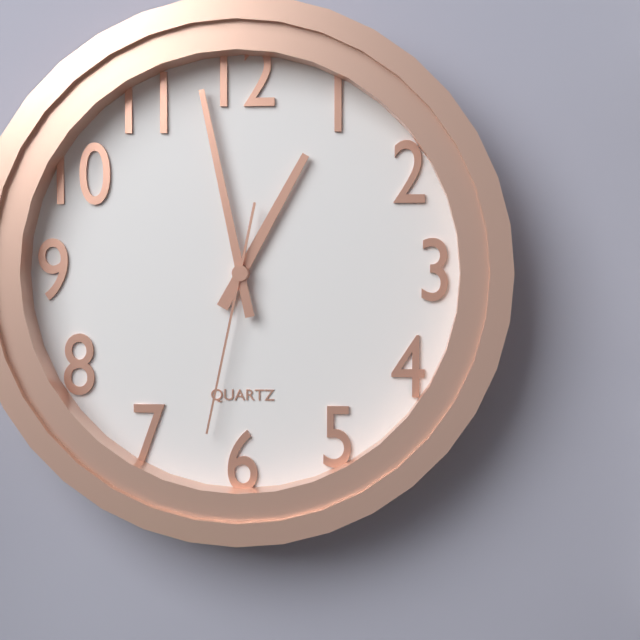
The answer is 12:58:32
